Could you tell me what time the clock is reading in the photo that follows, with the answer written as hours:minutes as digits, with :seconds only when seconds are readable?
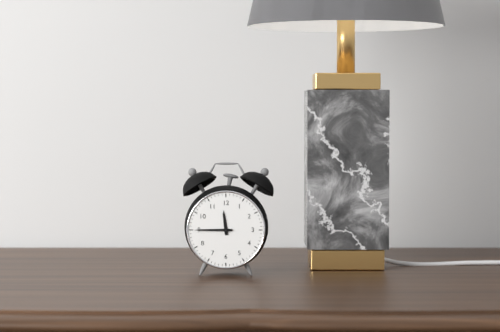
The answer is 11:45
